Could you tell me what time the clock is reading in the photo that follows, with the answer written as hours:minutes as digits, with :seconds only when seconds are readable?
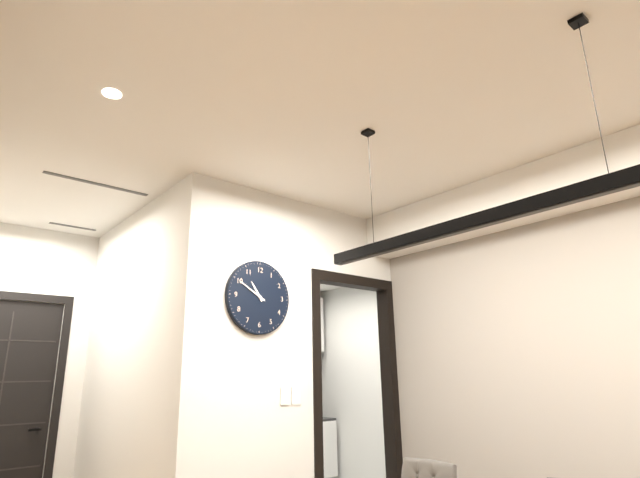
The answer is 10:50
